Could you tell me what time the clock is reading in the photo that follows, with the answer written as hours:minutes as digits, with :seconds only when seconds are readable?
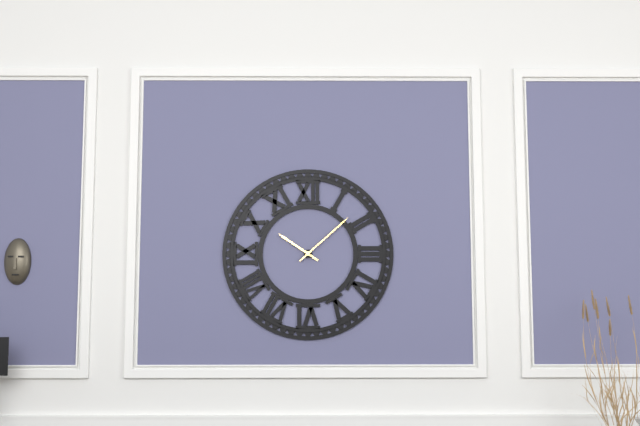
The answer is 10:08
